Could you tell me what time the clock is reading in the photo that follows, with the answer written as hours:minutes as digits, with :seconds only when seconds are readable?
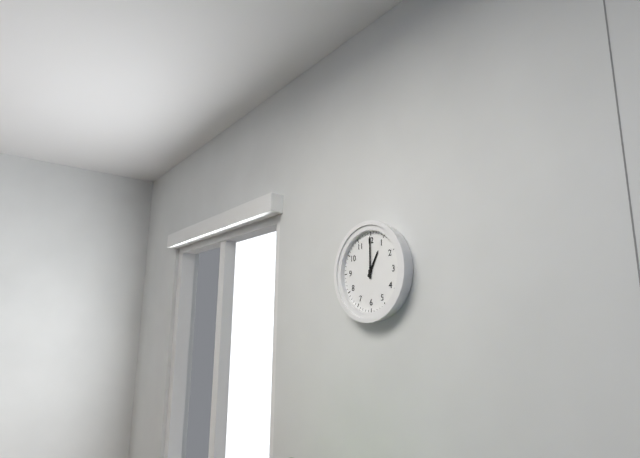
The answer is 1:00
